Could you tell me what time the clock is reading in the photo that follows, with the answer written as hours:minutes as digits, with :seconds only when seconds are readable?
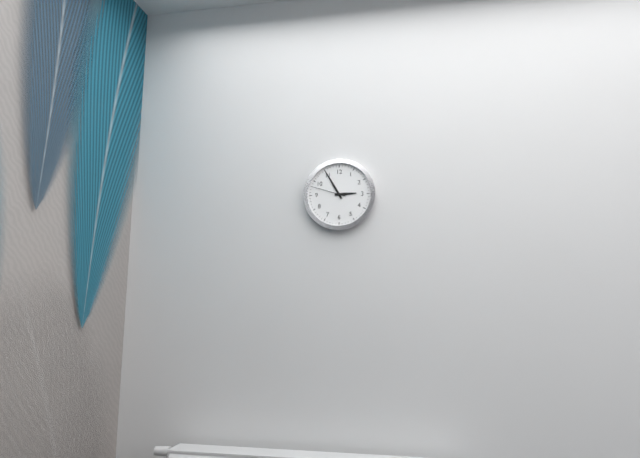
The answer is 2:55
